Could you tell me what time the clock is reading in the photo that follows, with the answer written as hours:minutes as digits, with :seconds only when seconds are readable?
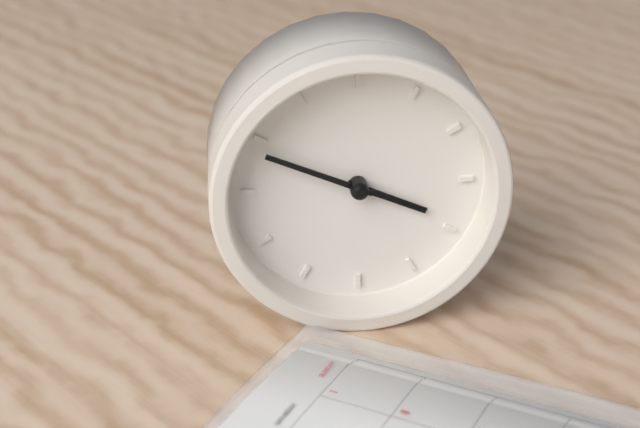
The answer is 3:49
